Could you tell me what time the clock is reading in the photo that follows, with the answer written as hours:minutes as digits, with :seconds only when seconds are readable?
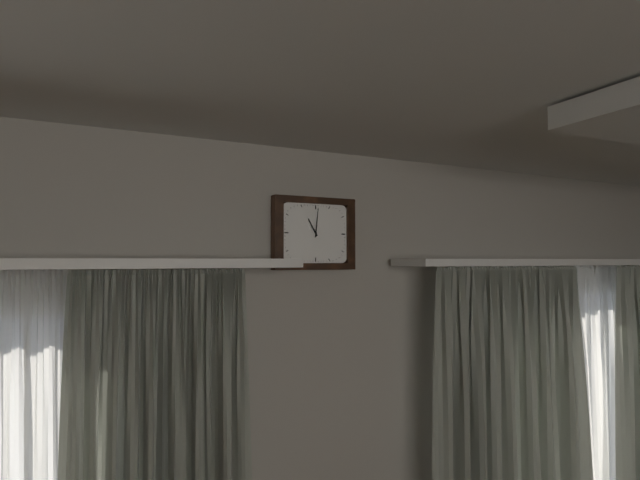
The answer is 11:01
